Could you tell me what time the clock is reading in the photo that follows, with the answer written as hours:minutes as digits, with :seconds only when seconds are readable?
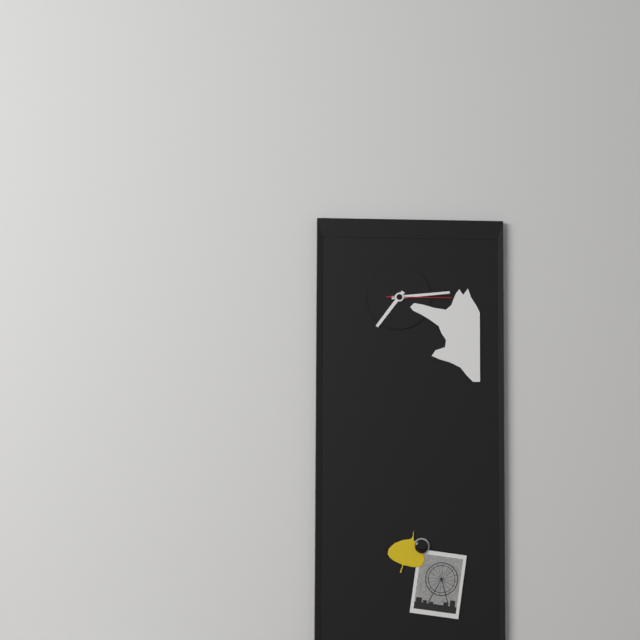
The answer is 7:14:15
